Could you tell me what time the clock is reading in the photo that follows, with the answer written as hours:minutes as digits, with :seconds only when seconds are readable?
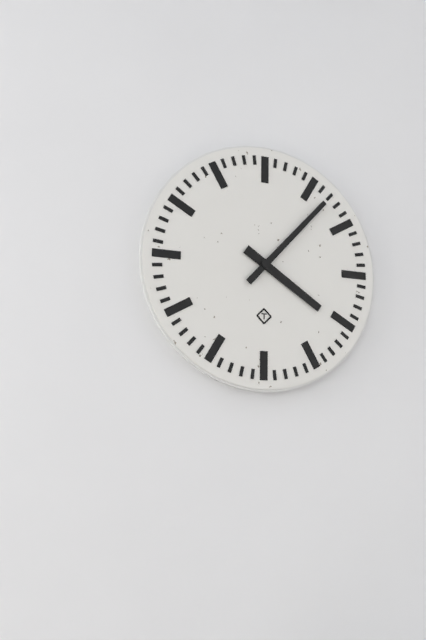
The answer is 4:07
